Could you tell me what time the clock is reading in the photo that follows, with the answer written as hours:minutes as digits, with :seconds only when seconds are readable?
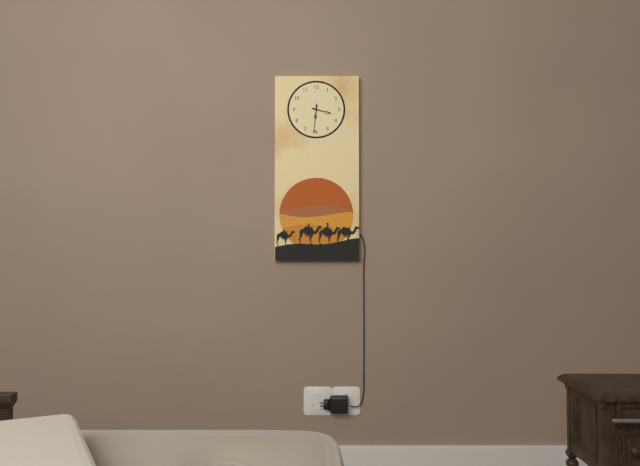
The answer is 3:31
